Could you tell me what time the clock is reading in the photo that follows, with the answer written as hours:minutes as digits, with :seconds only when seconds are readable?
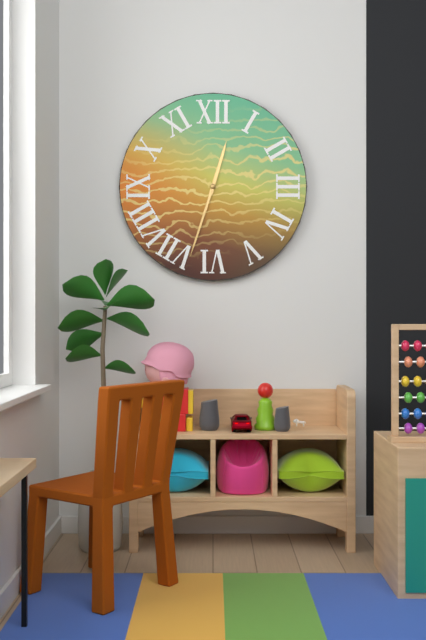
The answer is 12:33
